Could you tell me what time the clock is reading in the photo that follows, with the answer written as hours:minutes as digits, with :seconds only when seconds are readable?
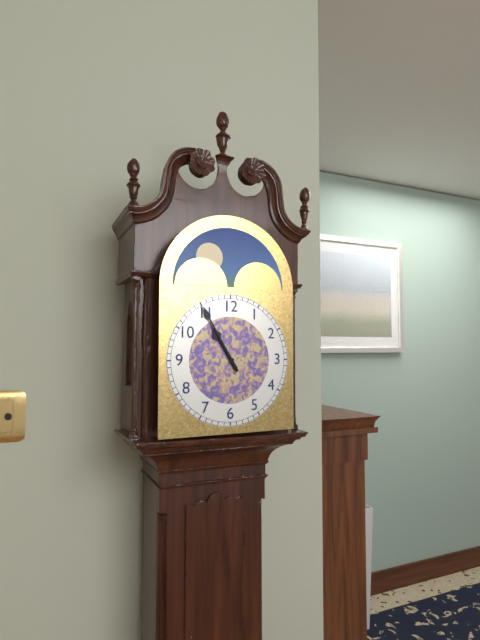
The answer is 10:55
